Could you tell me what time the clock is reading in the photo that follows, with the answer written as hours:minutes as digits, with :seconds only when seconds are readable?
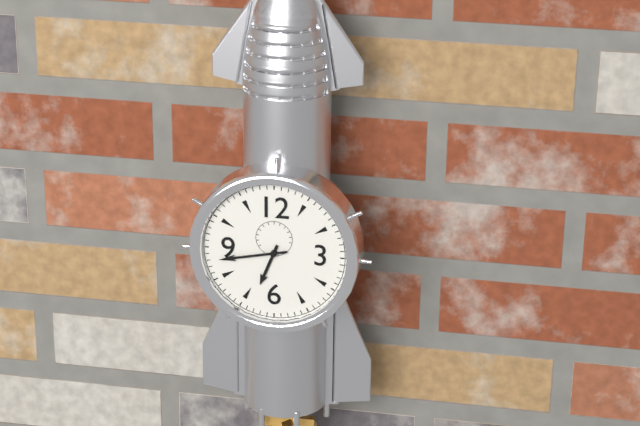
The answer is 6:43
